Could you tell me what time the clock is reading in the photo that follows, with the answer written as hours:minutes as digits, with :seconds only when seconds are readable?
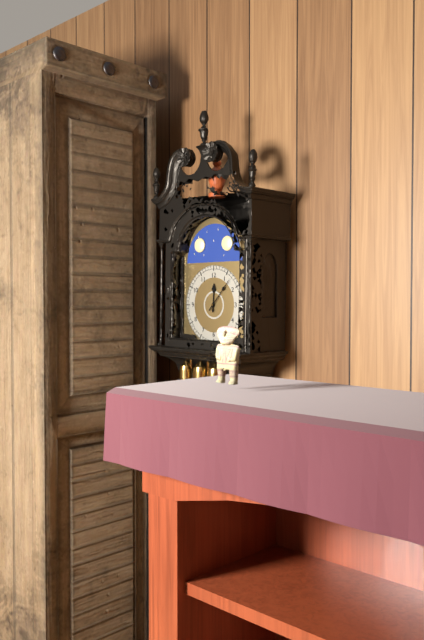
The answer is 12:07
